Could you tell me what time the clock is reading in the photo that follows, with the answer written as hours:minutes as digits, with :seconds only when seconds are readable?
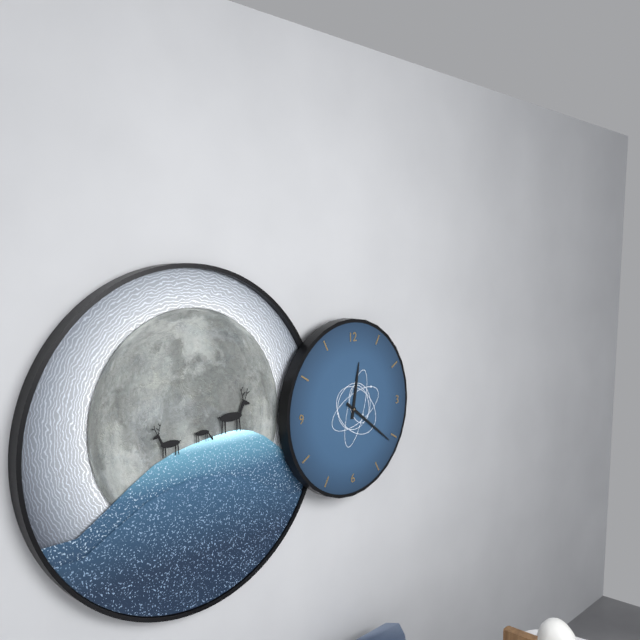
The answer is 12:21
